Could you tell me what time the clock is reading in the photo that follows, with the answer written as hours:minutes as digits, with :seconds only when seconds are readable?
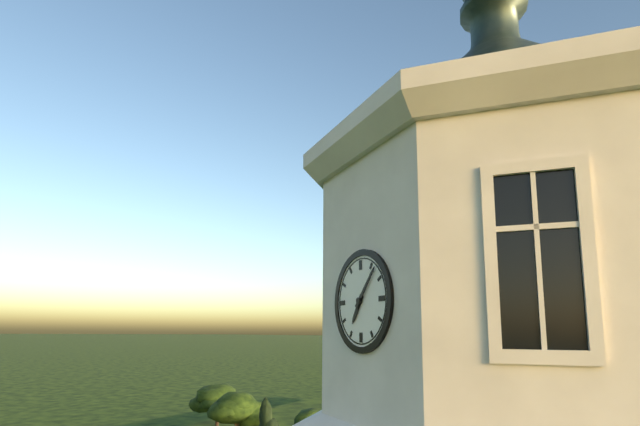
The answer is 7:07
